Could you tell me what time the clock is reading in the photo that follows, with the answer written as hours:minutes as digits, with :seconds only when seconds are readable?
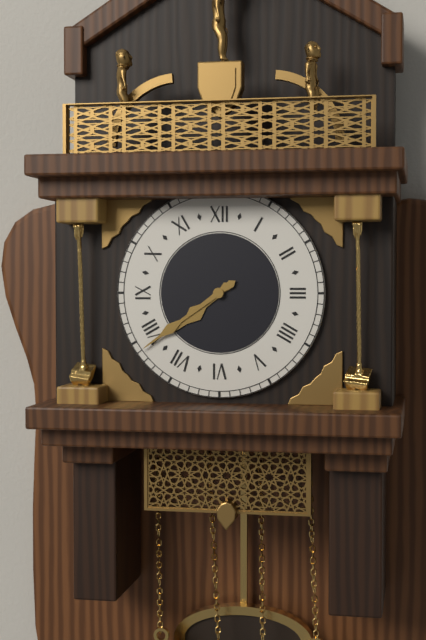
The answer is 7:39
